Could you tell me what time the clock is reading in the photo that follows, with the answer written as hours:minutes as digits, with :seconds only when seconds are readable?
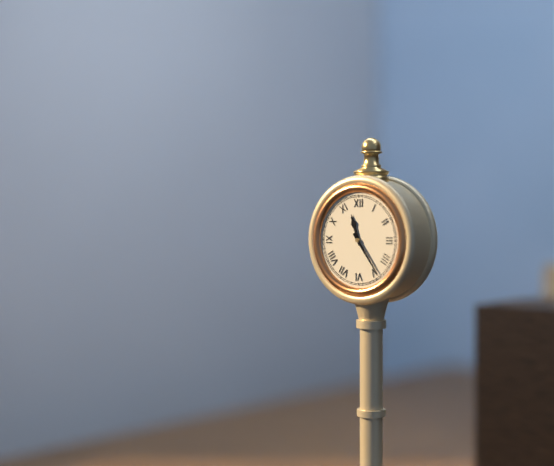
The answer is 11:24
